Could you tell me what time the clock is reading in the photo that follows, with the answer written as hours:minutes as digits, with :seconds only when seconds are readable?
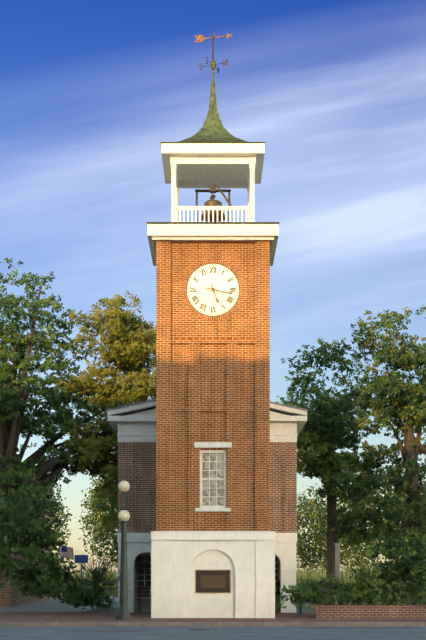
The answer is 5:17
